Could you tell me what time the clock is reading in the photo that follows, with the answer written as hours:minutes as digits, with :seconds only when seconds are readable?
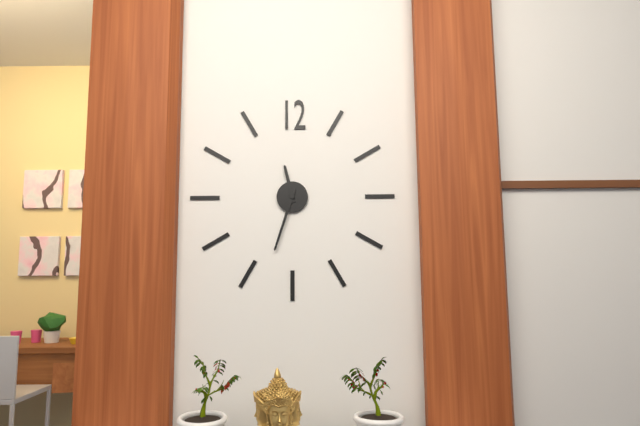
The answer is 11:33
